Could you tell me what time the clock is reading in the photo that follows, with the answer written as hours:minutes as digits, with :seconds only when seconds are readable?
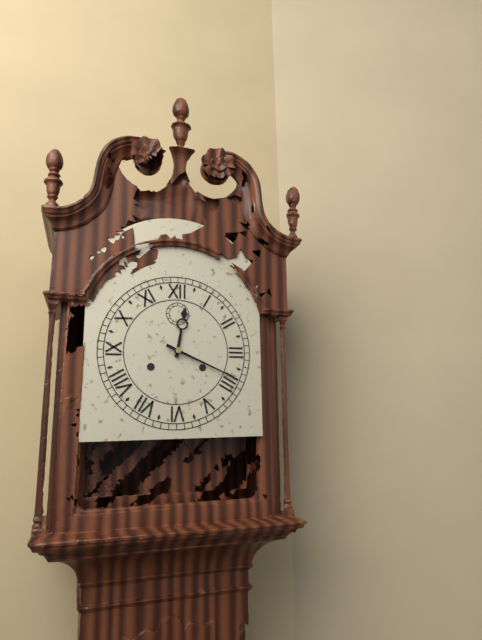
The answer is 12:19
